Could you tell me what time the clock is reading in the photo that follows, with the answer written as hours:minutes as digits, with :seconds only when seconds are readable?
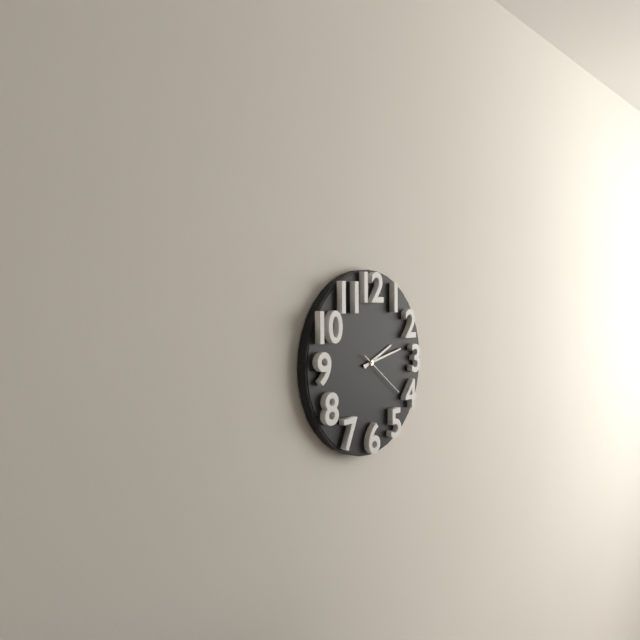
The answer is 2:13:21
